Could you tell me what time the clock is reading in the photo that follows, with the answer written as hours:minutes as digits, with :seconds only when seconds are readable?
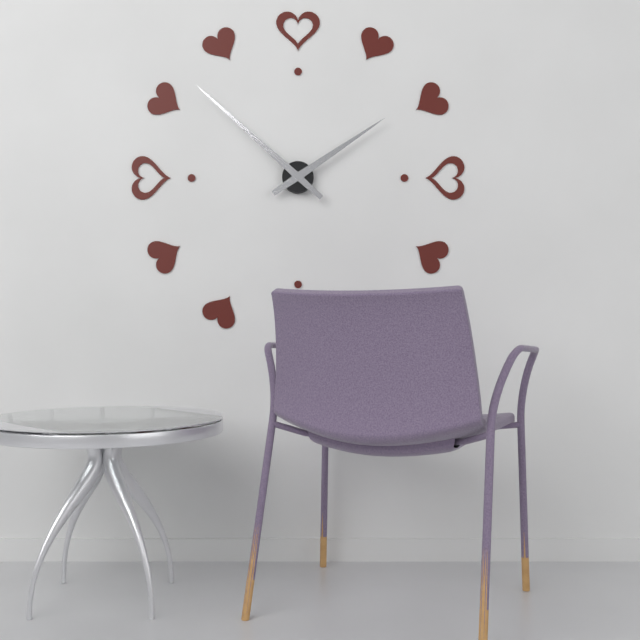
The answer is 1:52
